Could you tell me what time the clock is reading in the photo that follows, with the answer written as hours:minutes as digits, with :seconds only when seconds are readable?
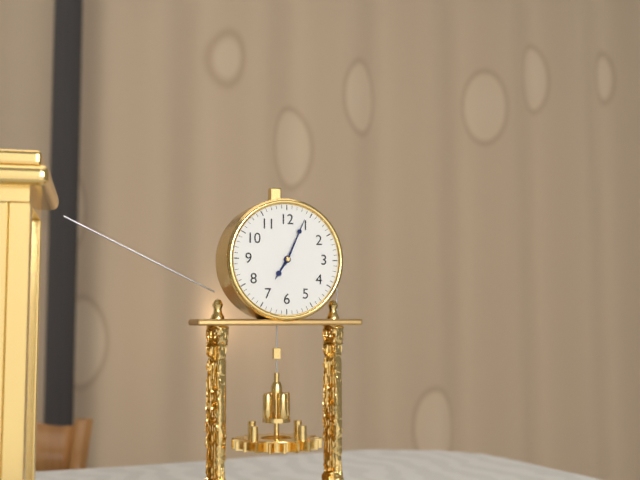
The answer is 7:04
